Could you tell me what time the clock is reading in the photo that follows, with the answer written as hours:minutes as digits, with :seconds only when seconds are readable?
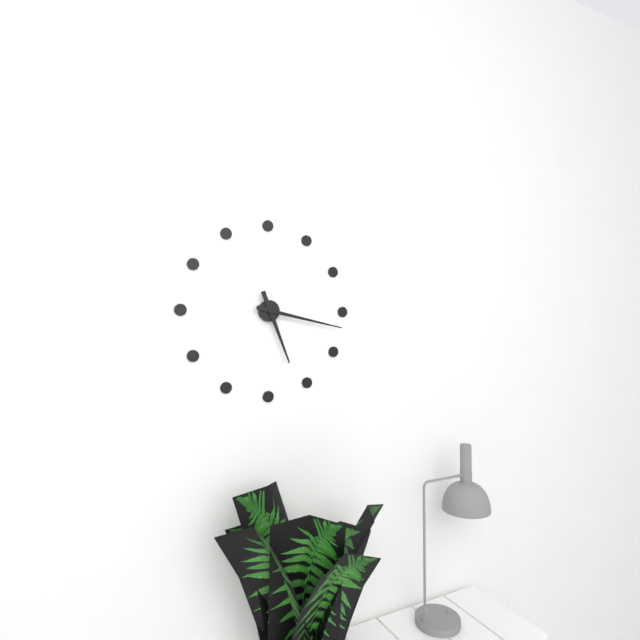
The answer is 5:17
